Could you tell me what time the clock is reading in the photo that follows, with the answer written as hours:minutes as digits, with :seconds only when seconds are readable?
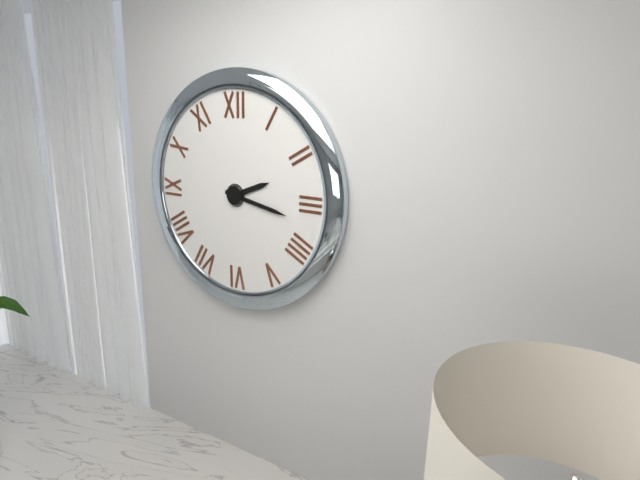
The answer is 2:17
